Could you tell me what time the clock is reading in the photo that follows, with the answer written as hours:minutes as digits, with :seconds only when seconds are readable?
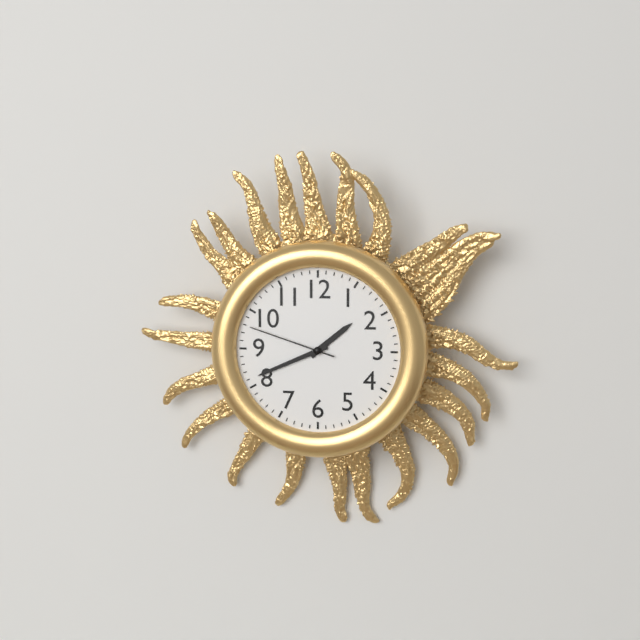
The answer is 1:41:48
